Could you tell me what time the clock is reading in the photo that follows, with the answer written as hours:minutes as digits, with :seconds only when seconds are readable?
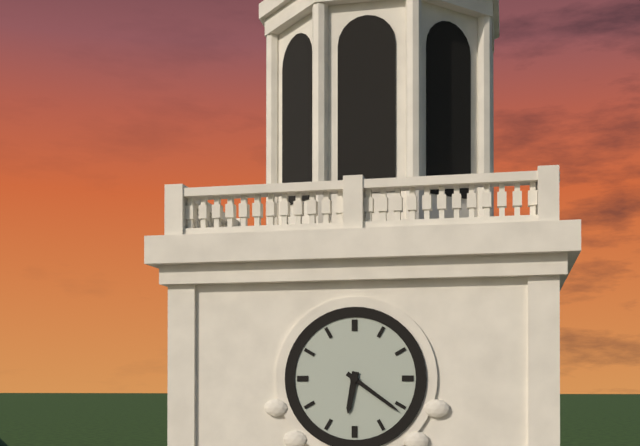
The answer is 6:21
